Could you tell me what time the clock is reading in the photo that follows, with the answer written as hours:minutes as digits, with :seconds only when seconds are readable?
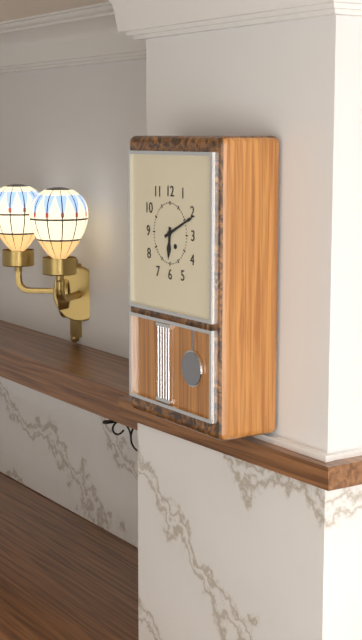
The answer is 6:11
